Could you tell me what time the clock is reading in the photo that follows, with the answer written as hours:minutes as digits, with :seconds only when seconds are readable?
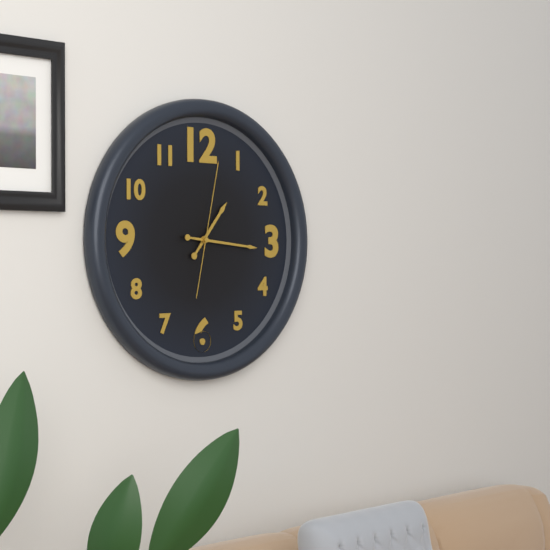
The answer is 1:16:02
